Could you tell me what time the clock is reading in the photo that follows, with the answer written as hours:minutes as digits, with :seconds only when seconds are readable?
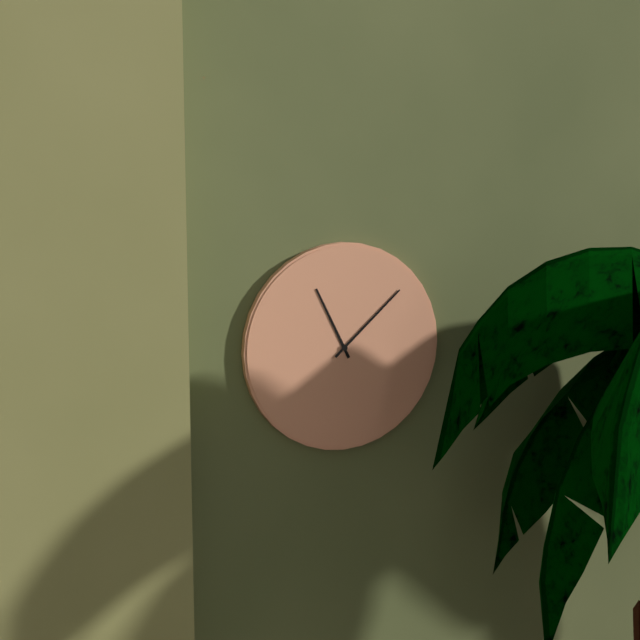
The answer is 11:08
